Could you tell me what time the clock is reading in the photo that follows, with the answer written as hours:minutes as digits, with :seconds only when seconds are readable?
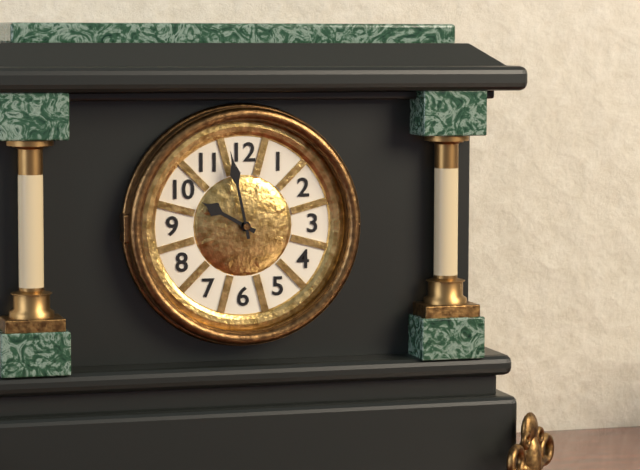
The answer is 9:58
